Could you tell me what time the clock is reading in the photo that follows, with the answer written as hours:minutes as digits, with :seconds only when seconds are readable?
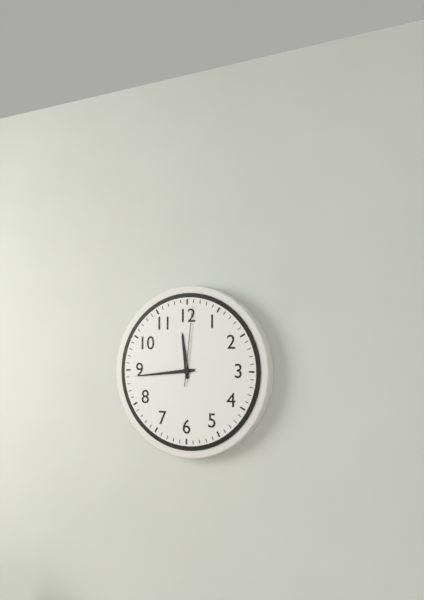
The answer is 11:44:01
